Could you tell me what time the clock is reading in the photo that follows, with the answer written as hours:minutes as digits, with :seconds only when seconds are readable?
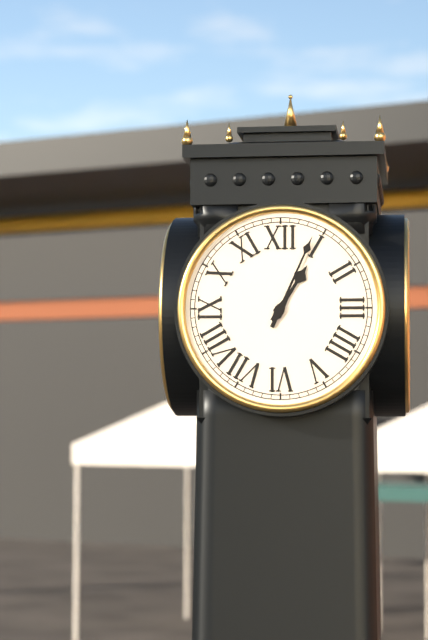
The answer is 1:04
